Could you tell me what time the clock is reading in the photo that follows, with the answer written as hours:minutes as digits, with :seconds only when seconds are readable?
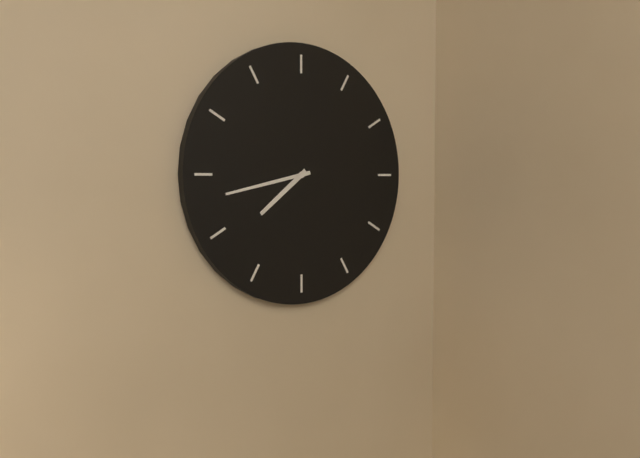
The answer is 7:43
